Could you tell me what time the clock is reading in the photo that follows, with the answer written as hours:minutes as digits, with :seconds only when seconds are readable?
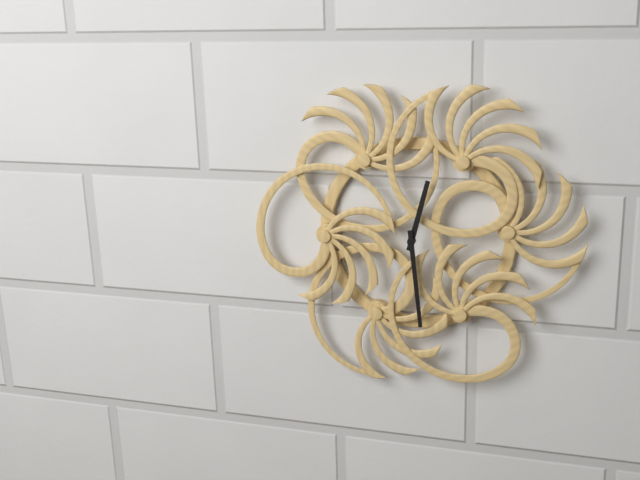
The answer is 12:29
